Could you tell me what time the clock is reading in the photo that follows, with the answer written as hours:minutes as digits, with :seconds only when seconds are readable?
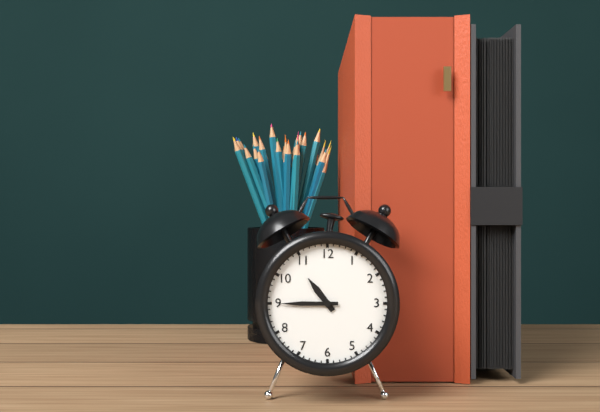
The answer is 10:45
